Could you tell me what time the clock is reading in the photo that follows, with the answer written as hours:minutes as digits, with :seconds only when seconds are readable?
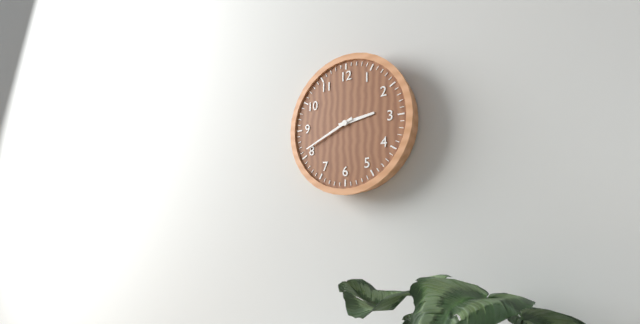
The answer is 2:41
